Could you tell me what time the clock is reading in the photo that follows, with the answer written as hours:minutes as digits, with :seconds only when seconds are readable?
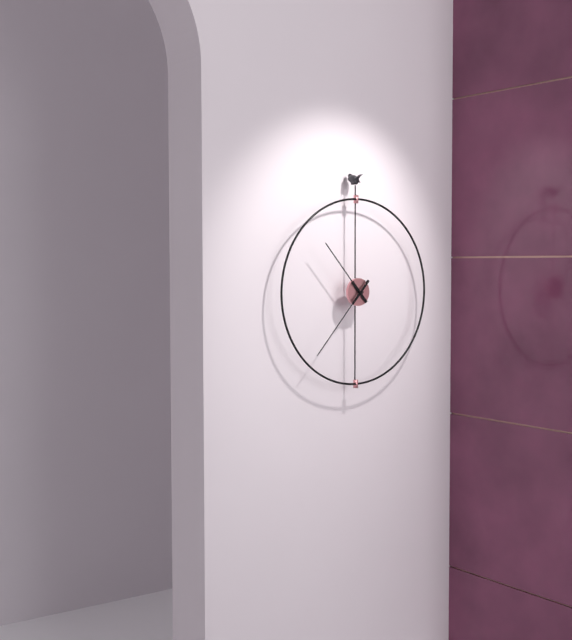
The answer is 10:37
